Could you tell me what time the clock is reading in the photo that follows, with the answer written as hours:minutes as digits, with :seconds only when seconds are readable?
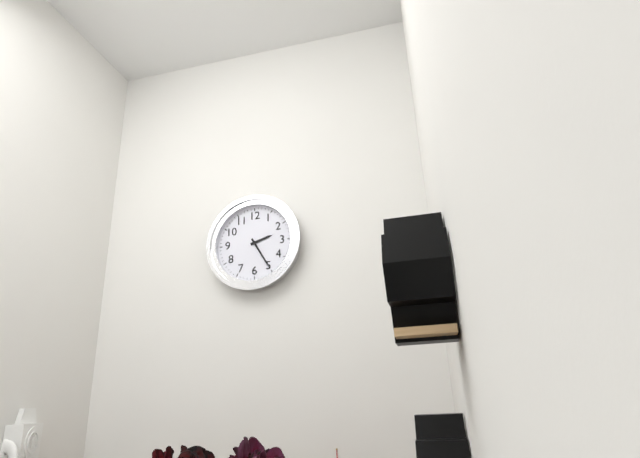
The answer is 2:25
